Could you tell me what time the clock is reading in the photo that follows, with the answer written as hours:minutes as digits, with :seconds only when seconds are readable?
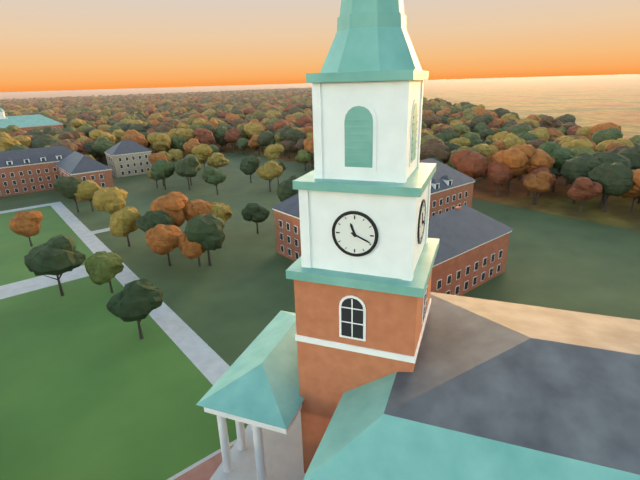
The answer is 11:19
